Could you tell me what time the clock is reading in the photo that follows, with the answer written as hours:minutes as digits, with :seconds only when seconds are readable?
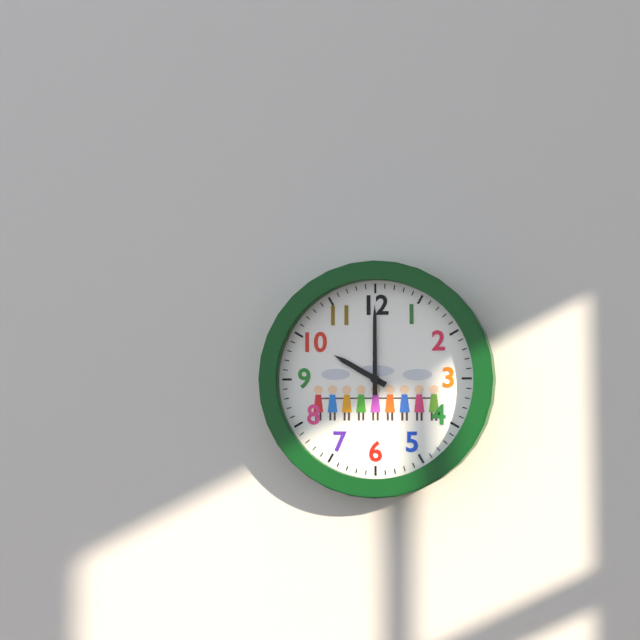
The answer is 10:00
